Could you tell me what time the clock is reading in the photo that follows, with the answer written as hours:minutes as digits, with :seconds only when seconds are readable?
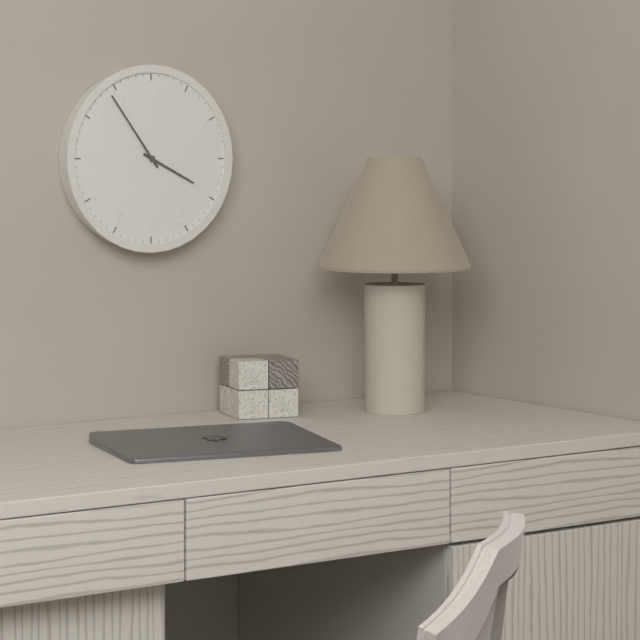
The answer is 3:54
